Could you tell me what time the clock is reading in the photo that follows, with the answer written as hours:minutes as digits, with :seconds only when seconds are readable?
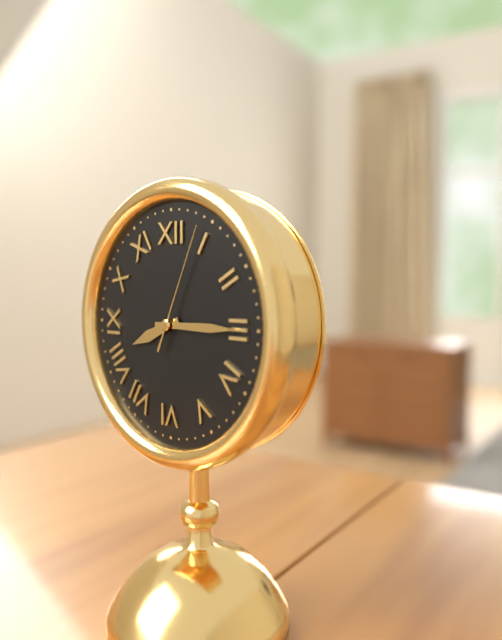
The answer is 8:15:04
